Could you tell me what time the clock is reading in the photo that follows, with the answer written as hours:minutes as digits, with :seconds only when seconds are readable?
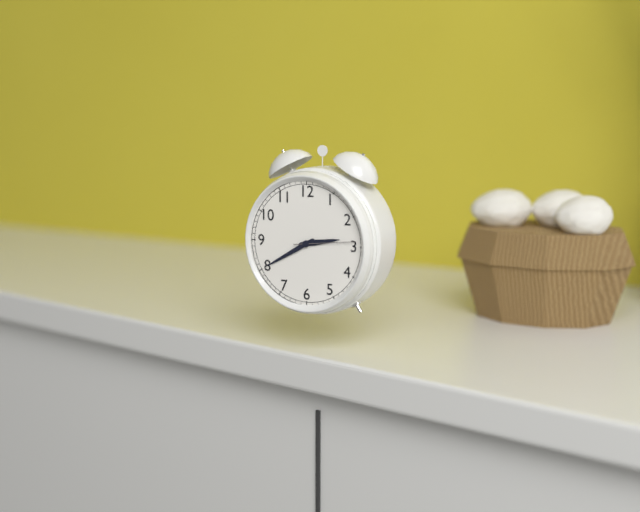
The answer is 2:40:14
